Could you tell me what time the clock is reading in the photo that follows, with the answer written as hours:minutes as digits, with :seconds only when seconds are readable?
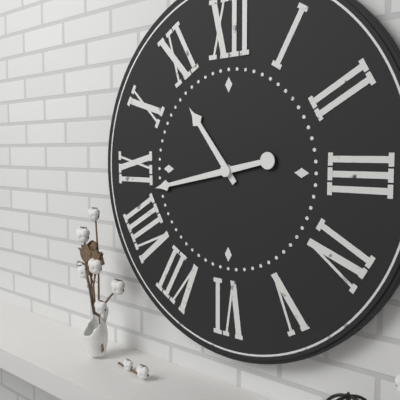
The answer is 10:43
